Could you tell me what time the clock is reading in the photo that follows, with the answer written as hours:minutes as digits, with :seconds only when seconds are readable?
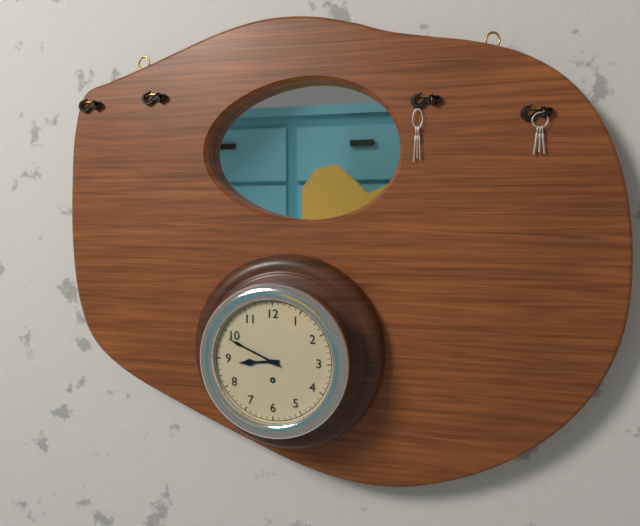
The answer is 8:49
